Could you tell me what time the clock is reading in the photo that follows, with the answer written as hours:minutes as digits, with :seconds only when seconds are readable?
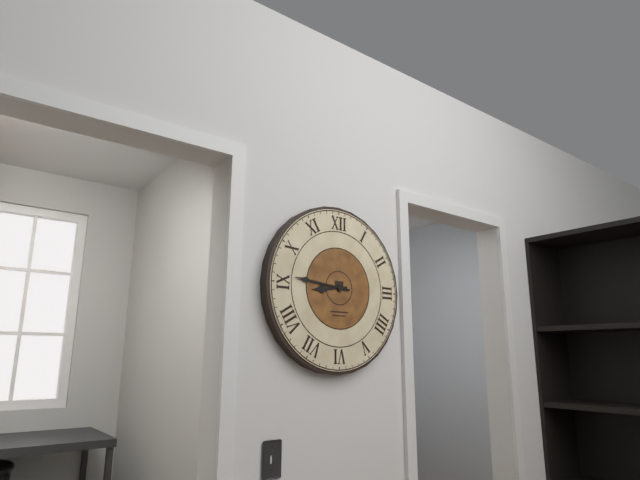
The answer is 8:46
